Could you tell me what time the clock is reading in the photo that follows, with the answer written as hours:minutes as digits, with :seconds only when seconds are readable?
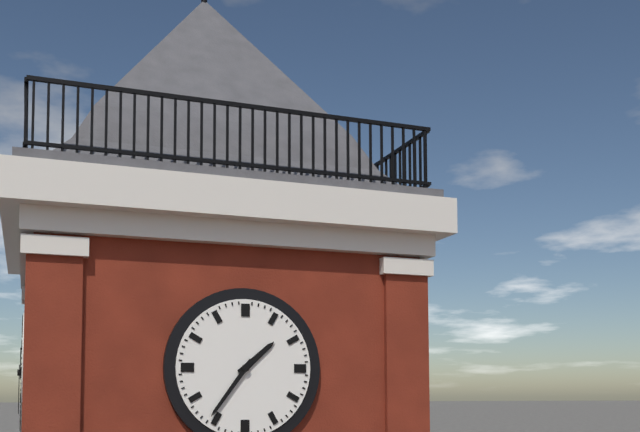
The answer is 1:36
